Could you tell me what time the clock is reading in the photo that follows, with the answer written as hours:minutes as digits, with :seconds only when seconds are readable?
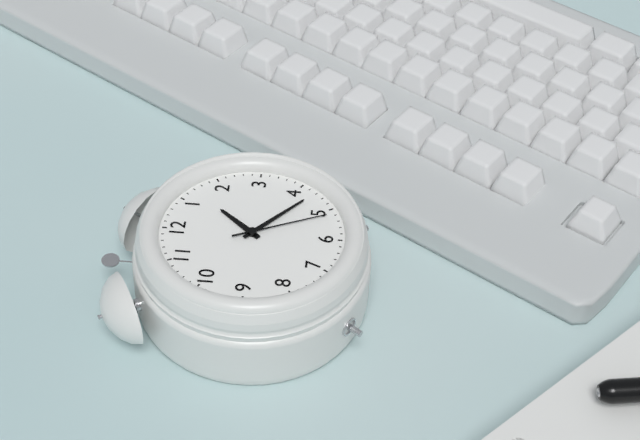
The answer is 1:22:26
